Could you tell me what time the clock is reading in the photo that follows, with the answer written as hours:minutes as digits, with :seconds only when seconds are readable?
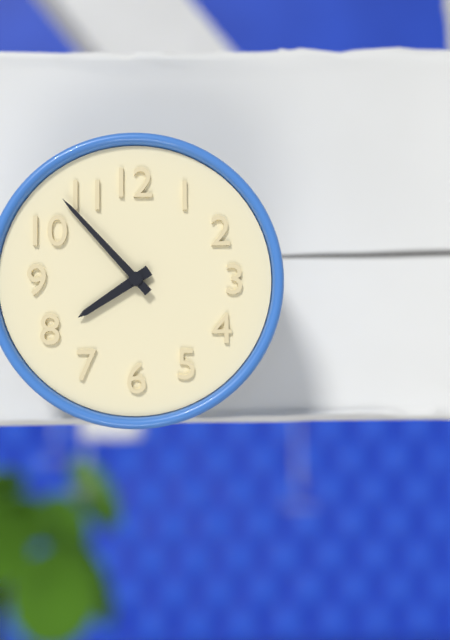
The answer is 7:53
